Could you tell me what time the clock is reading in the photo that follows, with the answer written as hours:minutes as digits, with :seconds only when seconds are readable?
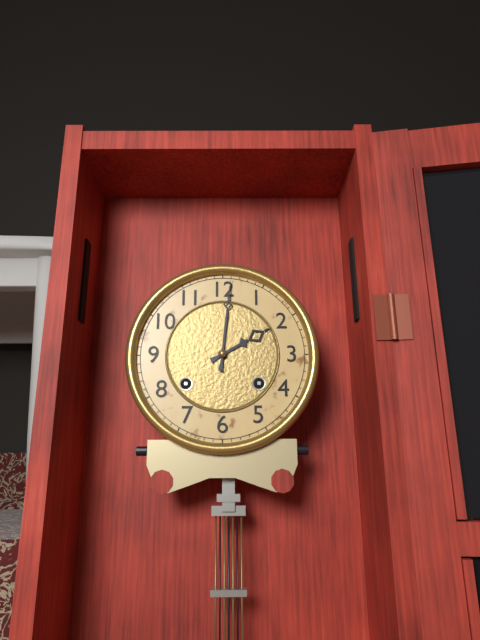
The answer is 2:01
